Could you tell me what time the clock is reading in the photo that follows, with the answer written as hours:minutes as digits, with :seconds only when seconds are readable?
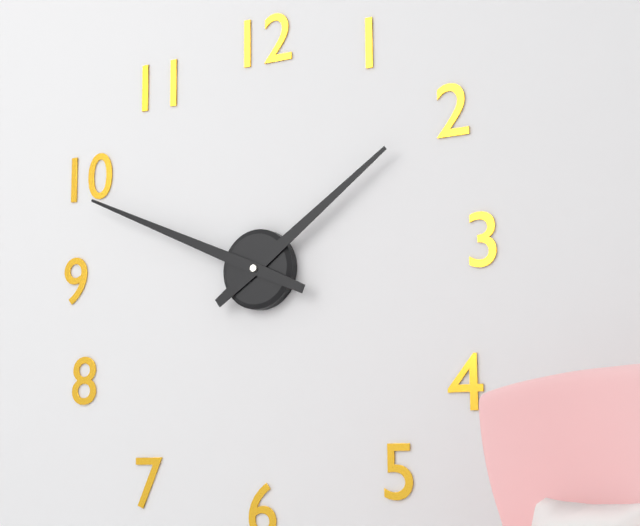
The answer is 1:49
